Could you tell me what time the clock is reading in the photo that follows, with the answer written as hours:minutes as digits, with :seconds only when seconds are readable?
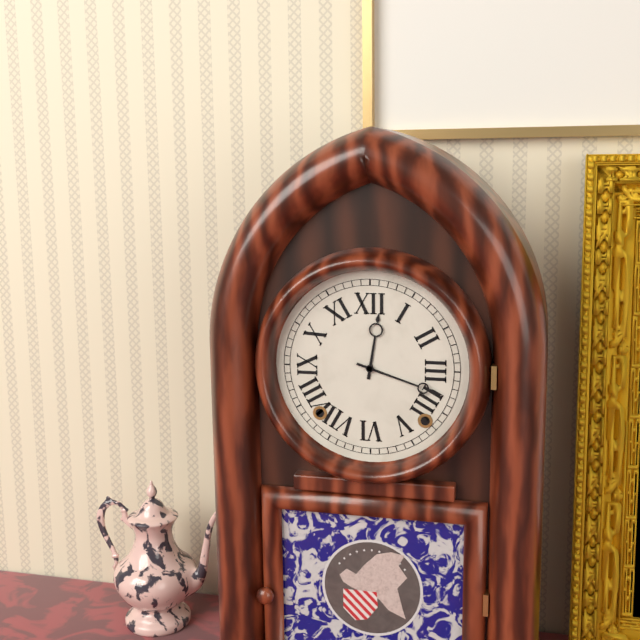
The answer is 12:18
